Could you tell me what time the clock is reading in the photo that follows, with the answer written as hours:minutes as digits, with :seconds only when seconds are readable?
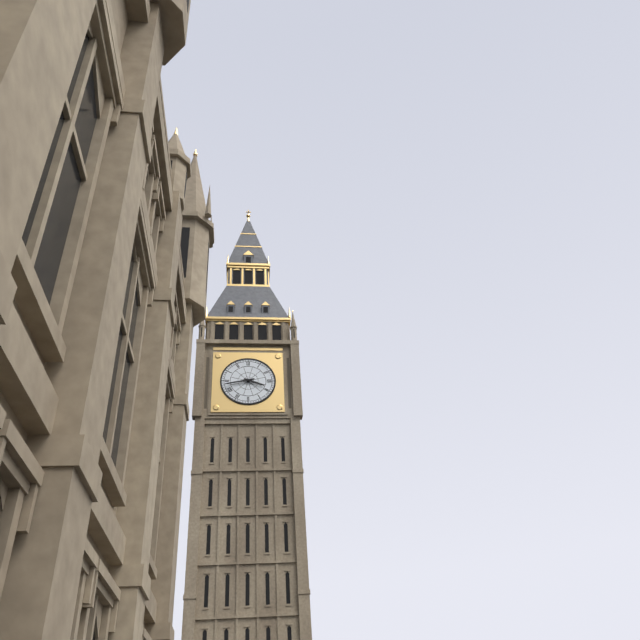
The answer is 3:43
